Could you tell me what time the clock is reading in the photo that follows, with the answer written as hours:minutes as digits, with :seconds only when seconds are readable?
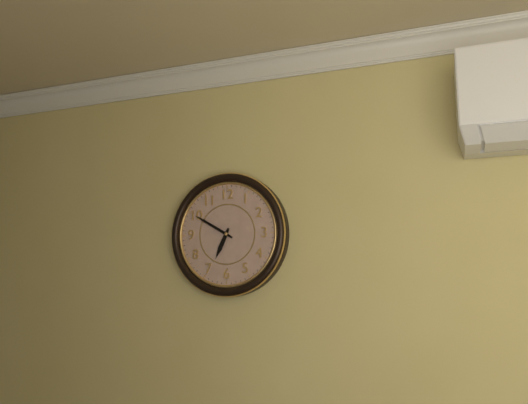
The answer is 6:50
